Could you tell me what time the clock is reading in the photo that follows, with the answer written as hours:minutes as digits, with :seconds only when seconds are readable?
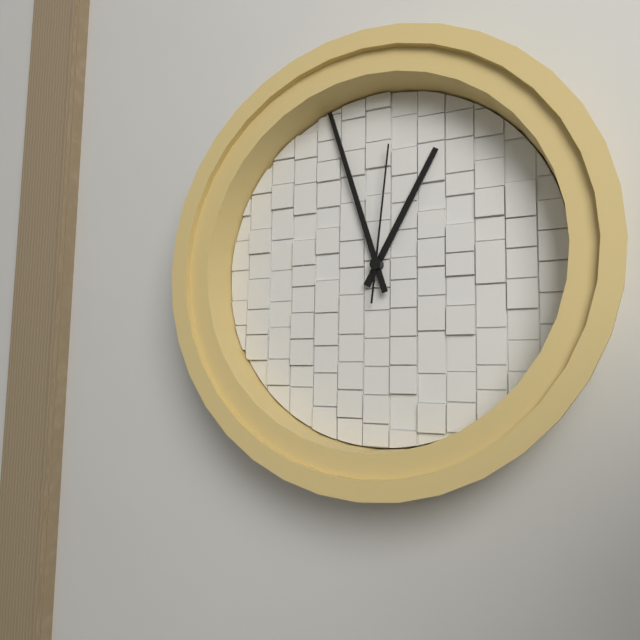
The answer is 12:57:01
